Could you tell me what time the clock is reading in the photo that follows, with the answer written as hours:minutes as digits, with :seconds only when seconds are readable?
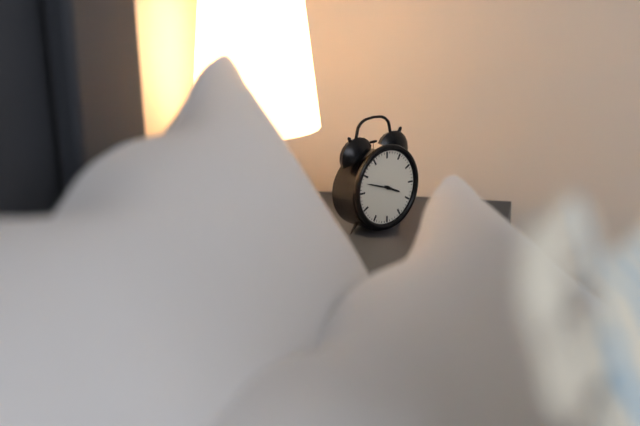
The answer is 3:48
